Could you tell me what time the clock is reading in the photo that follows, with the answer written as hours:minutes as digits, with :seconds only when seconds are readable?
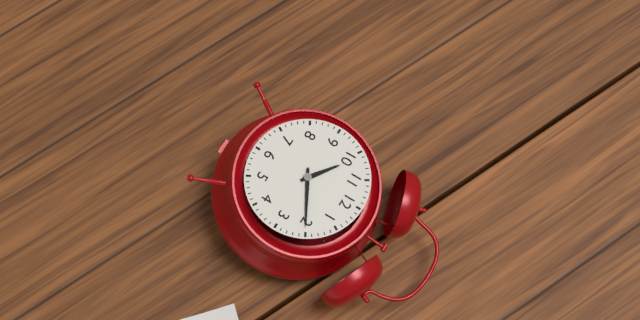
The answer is 10:10
